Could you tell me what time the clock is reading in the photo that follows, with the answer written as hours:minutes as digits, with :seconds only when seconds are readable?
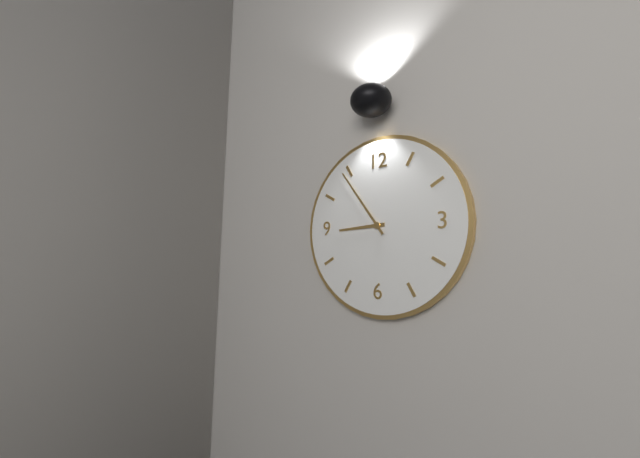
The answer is 8:54
